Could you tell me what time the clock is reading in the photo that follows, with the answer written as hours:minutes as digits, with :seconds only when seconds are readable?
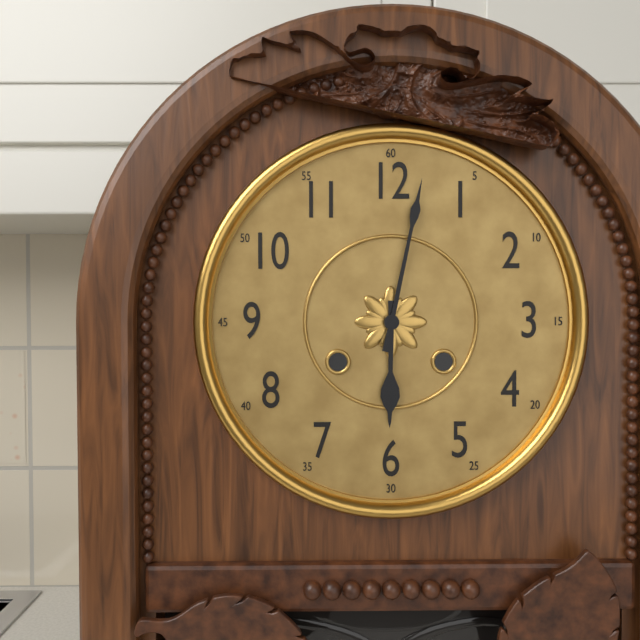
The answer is 6:02
